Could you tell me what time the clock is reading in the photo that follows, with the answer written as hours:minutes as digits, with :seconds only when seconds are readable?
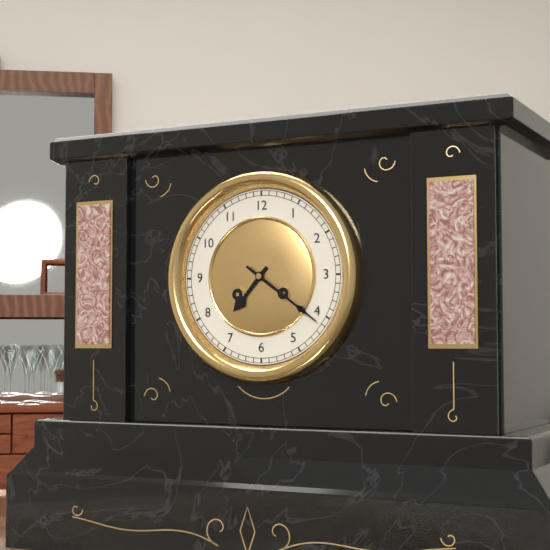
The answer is 7:21
